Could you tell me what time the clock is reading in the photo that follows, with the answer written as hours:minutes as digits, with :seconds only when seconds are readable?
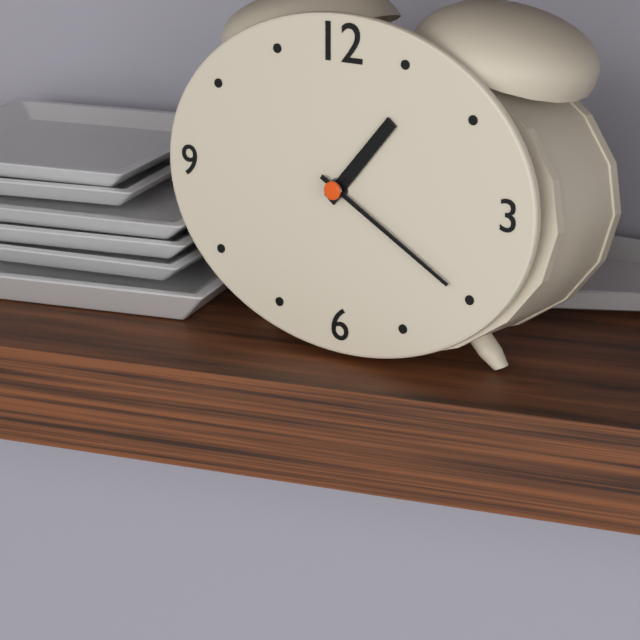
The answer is 1:20
